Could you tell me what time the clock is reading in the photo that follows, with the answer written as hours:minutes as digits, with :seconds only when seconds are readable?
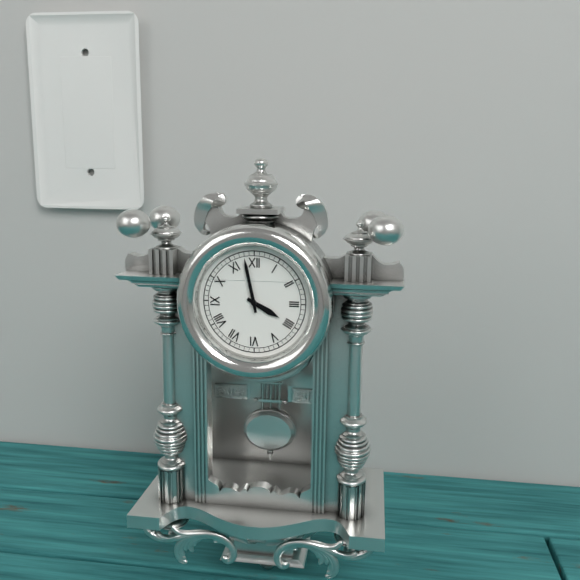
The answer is 3:58
